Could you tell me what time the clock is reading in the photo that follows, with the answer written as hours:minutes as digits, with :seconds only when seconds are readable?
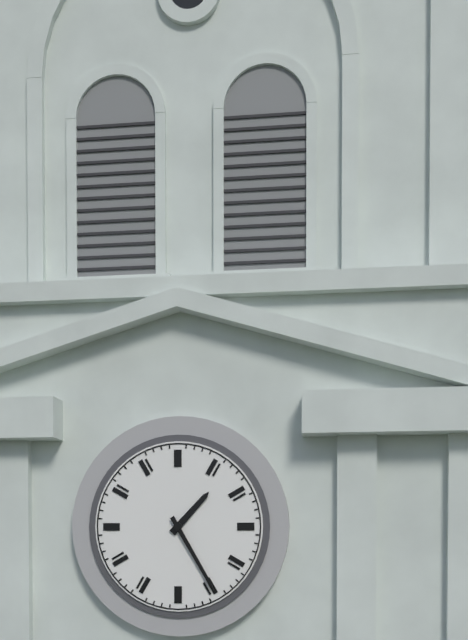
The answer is 1:25
